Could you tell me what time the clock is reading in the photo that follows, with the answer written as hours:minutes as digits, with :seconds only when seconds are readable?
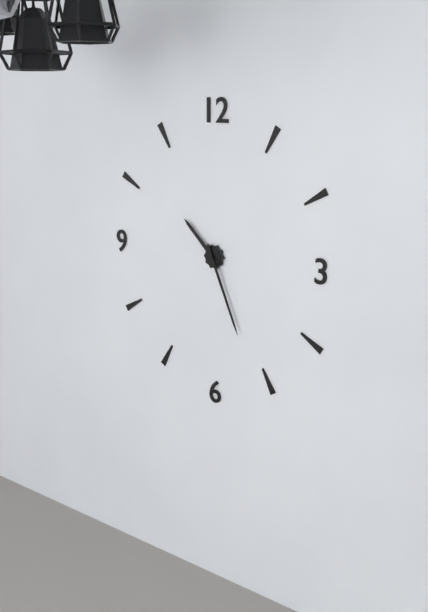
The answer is 10:26
